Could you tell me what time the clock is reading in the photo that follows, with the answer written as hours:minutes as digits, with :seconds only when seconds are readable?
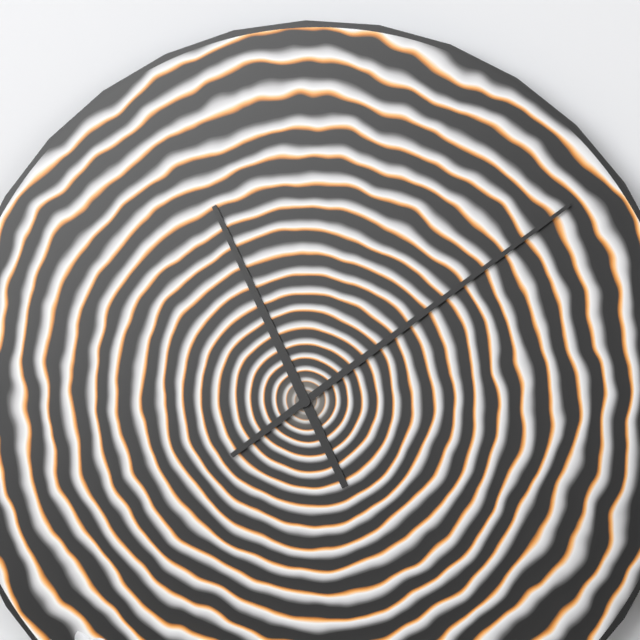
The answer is 11:09
